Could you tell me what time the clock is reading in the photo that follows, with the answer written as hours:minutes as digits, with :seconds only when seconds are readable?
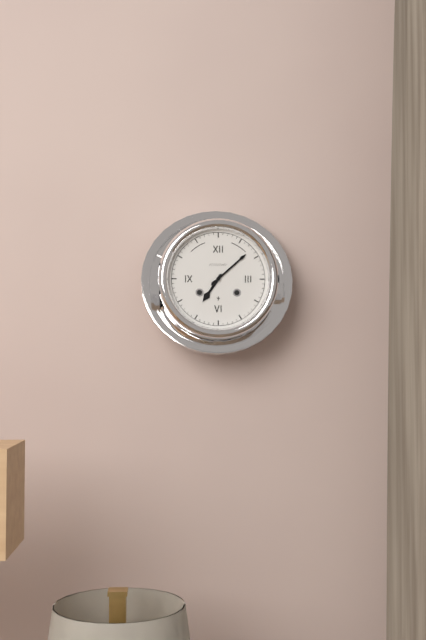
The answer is 7:08
